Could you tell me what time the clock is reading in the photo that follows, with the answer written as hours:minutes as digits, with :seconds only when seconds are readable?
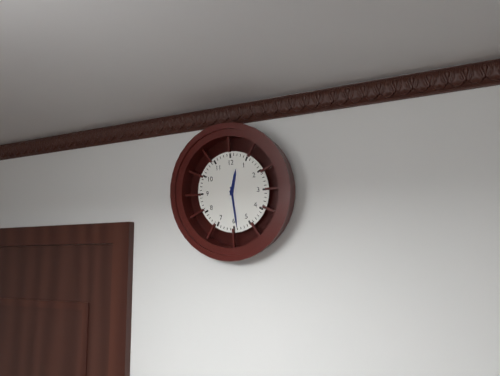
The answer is 12:29
